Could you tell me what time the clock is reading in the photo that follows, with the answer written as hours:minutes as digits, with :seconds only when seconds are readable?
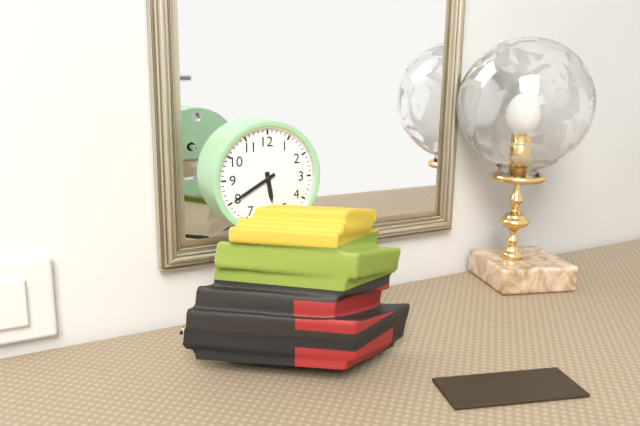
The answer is 5:40
